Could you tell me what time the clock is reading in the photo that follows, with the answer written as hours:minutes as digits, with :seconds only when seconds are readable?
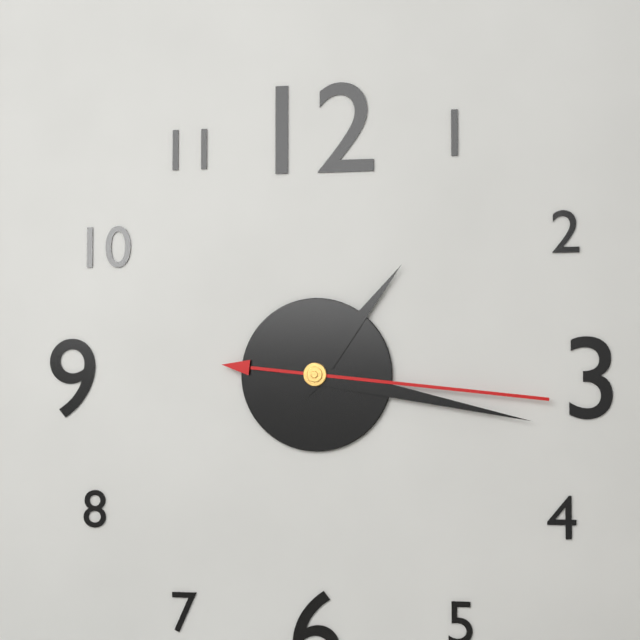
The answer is 1:17:16
